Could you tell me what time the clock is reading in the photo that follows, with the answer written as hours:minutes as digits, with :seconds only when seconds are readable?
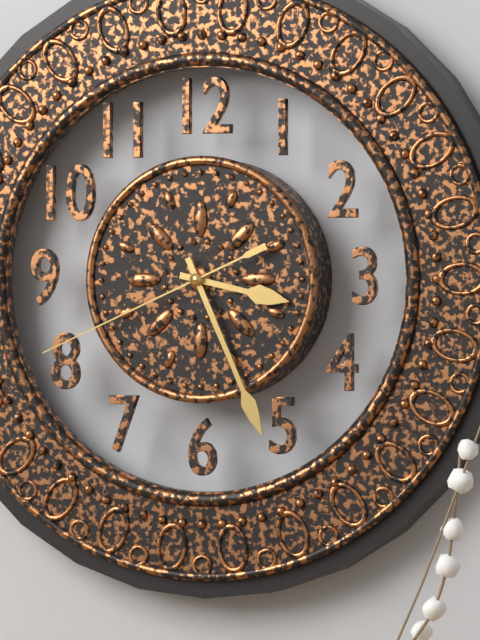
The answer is 3:26:41
